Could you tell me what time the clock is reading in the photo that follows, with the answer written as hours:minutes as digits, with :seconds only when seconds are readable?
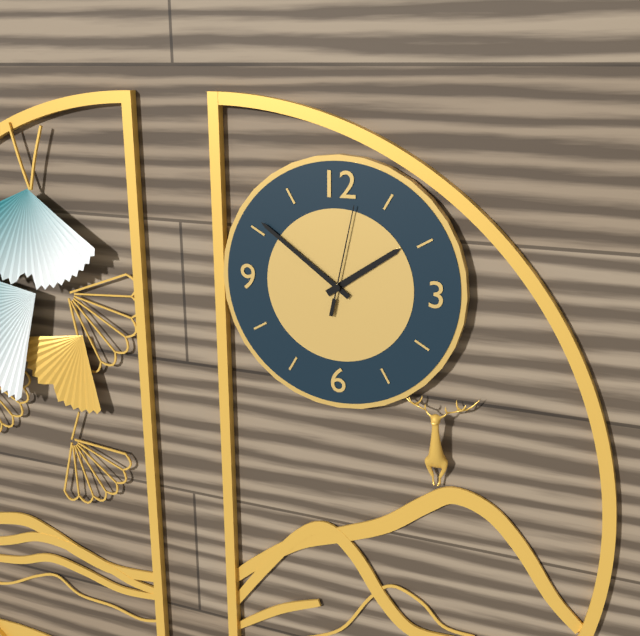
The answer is 1:51:02
